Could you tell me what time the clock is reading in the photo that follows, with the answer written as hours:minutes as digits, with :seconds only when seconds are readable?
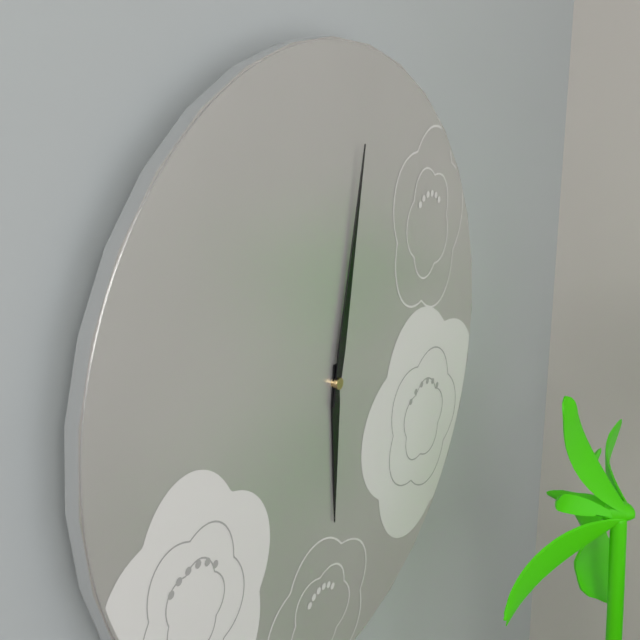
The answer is 6:02
